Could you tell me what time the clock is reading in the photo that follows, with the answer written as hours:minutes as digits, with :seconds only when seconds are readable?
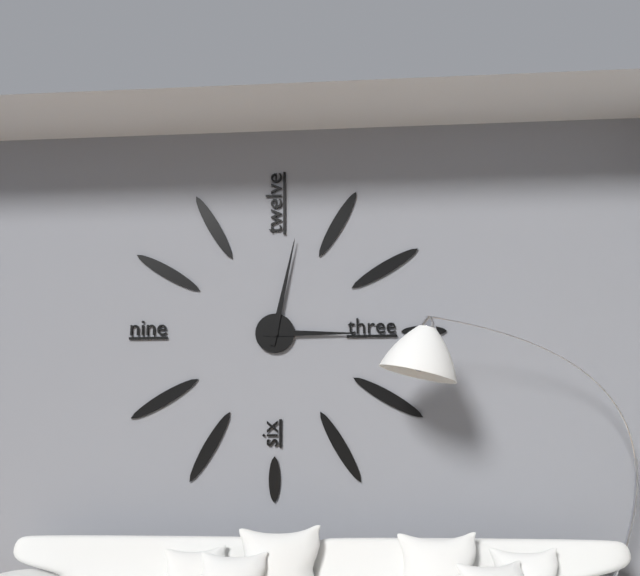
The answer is 3:02
